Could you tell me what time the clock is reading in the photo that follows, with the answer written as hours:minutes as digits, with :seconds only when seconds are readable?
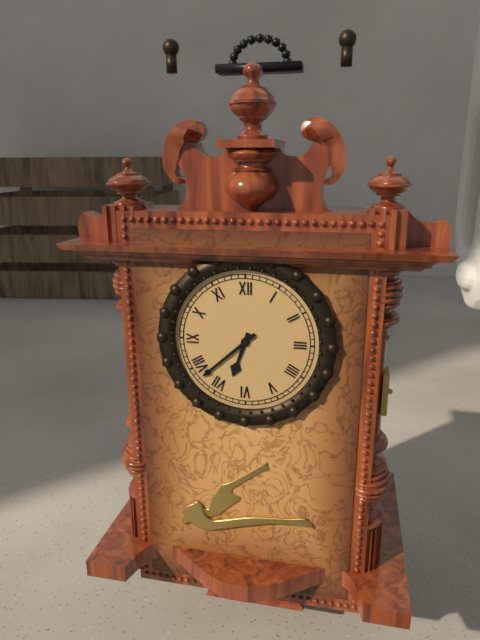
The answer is 6:38
